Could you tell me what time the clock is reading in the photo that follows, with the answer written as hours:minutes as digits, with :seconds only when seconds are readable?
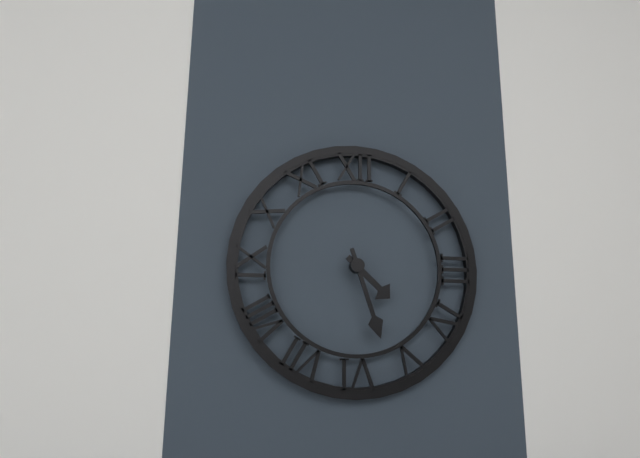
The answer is 4:27
